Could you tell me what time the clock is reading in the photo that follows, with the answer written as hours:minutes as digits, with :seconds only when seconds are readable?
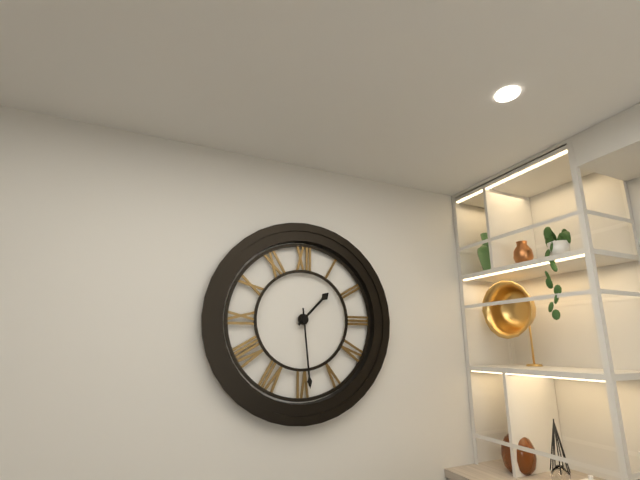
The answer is 1:29
